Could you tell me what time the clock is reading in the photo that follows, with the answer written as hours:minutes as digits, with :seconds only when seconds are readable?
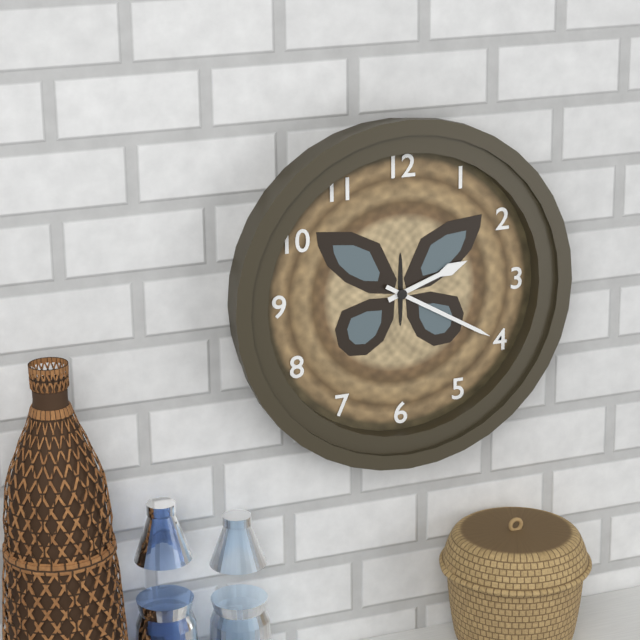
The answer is 2:20
